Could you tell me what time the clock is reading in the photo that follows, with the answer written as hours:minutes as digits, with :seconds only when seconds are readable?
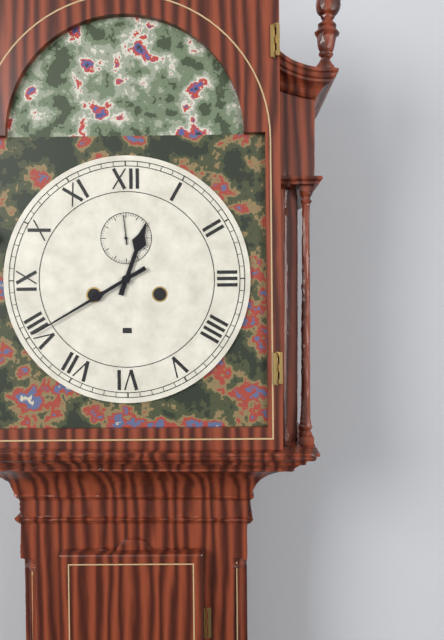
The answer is 12:40
